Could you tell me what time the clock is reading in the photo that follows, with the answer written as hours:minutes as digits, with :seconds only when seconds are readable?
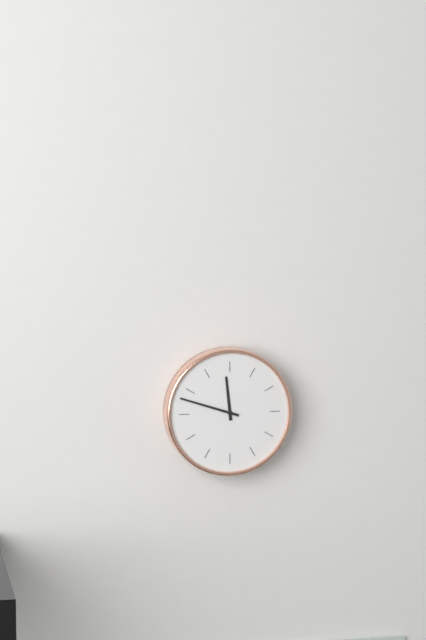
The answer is 11:48
